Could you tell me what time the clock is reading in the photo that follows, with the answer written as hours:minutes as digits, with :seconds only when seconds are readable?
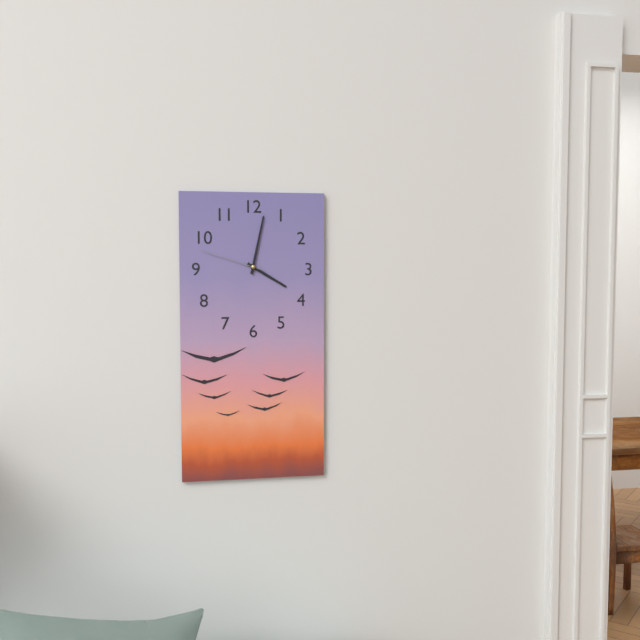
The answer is 4:02:48
